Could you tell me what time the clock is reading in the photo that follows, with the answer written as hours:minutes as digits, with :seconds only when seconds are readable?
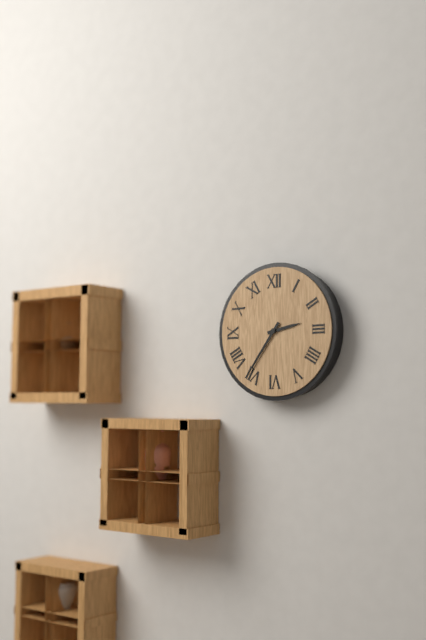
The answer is 2:36
